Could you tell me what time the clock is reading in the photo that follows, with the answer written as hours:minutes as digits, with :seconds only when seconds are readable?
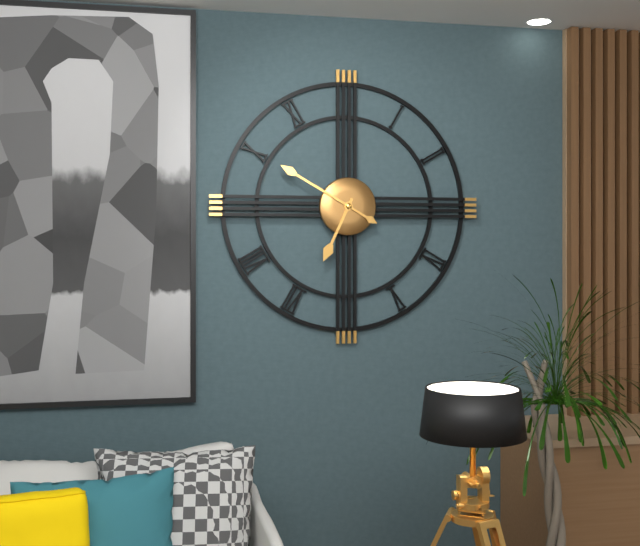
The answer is 6:50
